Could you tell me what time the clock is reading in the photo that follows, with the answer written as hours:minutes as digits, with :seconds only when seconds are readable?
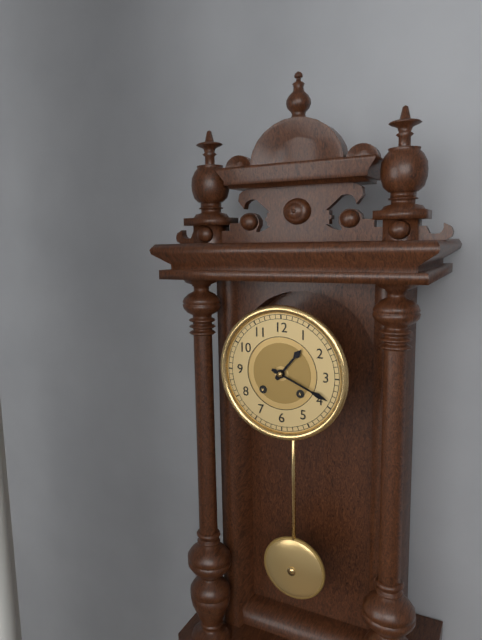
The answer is 1:19
